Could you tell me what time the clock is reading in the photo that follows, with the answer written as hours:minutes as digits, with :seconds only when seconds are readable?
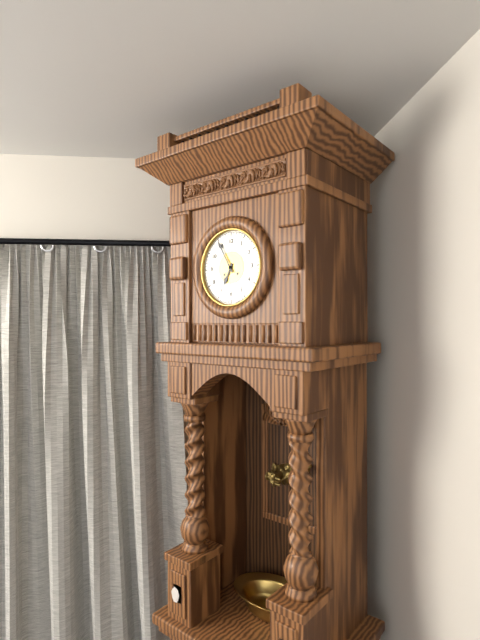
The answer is 6:55
